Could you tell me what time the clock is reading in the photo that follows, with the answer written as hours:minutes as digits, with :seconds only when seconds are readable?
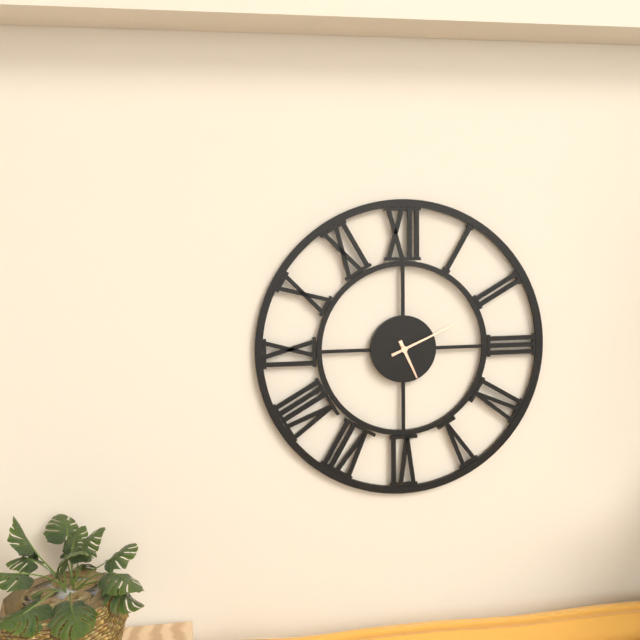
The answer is 5:11
